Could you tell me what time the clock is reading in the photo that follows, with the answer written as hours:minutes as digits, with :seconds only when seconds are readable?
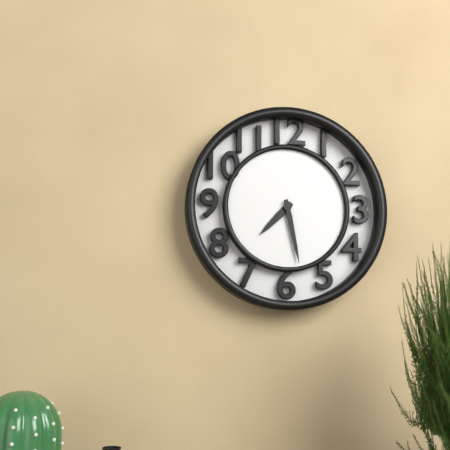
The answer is 7:28
